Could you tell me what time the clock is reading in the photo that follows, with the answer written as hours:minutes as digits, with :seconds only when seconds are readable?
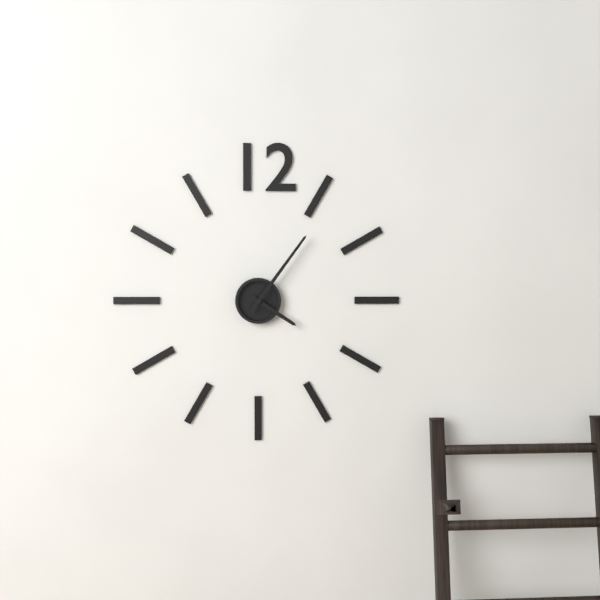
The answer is 4:06
